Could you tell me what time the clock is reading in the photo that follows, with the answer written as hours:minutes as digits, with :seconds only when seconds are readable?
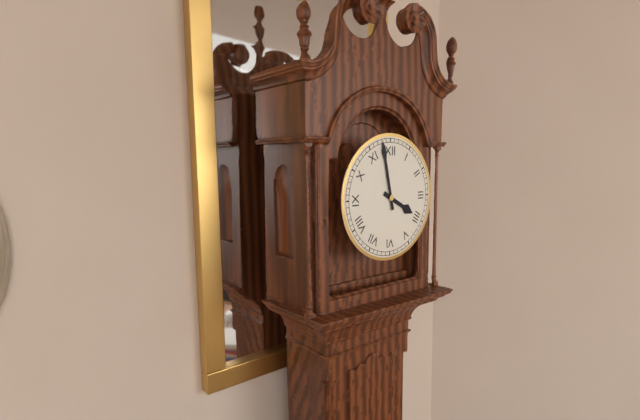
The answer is 3:58
